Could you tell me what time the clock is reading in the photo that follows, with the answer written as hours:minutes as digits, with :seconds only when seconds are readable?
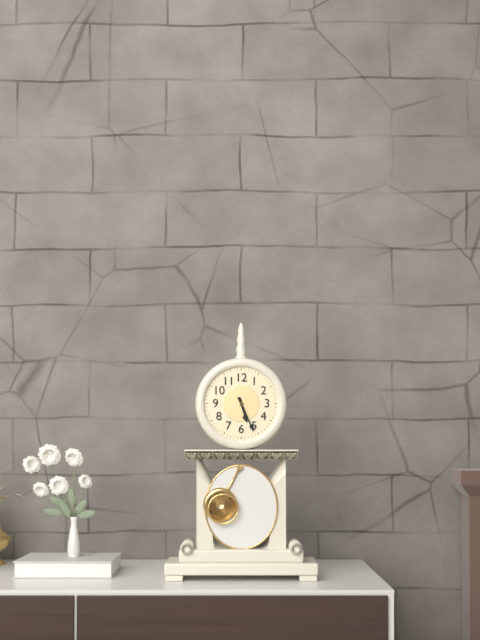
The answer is 5:26
